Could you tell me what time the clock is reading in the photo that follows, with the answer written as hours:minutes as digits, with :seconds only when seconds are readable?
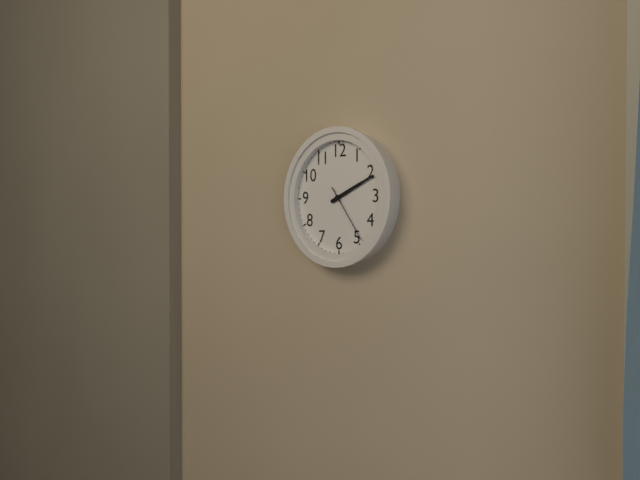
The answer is 2:11:24
